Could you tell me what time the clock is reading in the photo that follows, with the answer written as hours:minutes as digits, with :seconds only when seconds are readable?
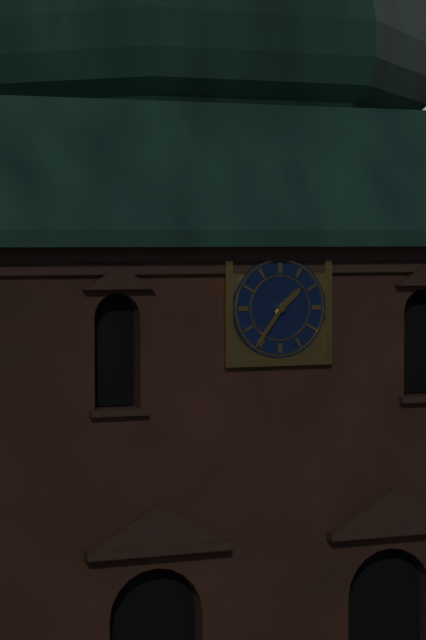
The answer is 1:36
